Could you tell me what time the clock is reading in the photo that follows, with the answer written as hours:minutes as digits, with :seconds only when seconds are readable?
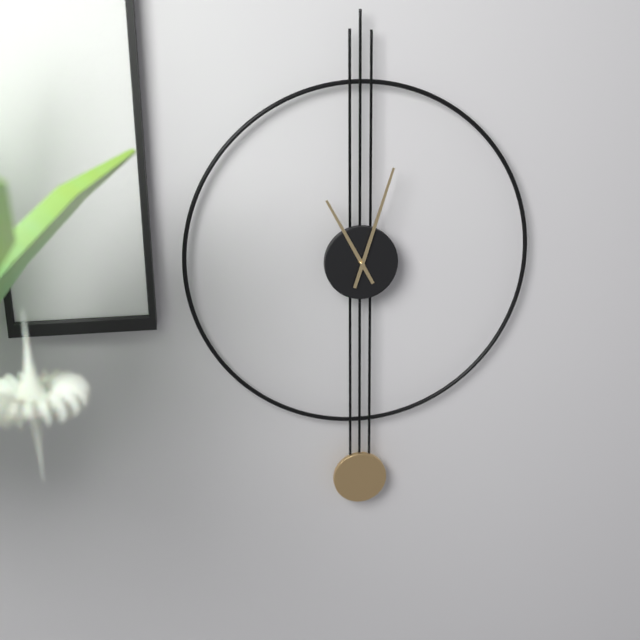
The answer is 11:03
